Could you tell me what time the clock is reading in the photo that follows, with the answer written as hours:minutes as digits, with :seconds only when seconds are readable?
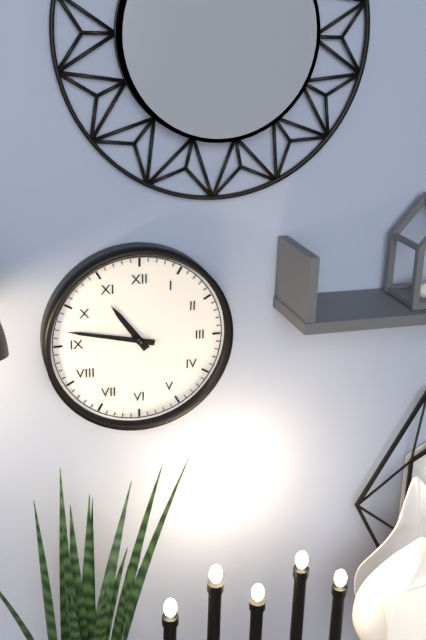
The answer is 10:47
